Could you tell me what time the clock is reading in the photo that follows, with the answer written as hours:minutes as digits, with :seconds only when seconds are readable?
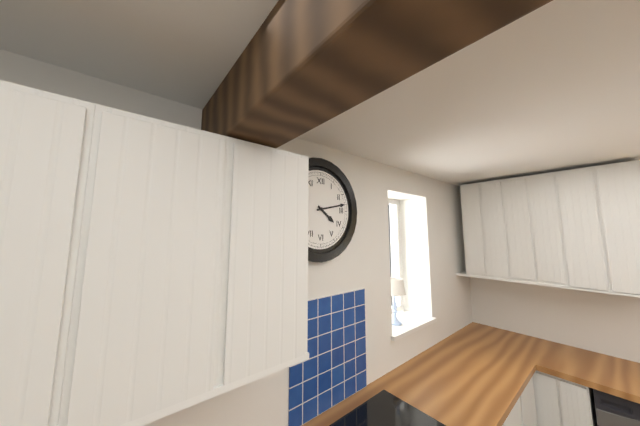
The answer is 4:13
